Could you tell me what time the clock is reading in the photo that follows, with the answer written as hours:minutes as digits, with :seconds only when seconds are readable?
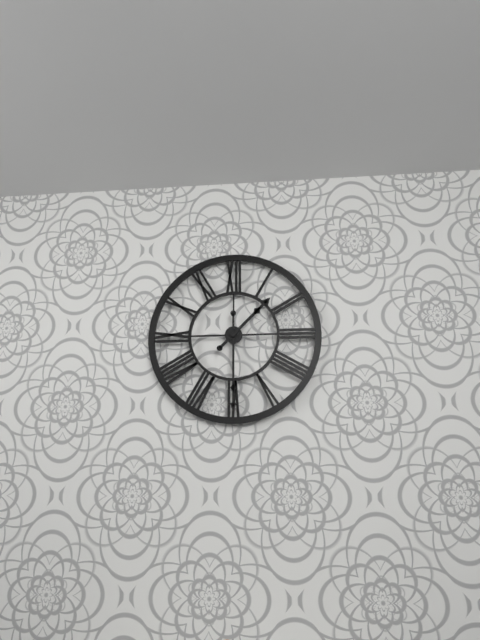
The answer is 1:30
